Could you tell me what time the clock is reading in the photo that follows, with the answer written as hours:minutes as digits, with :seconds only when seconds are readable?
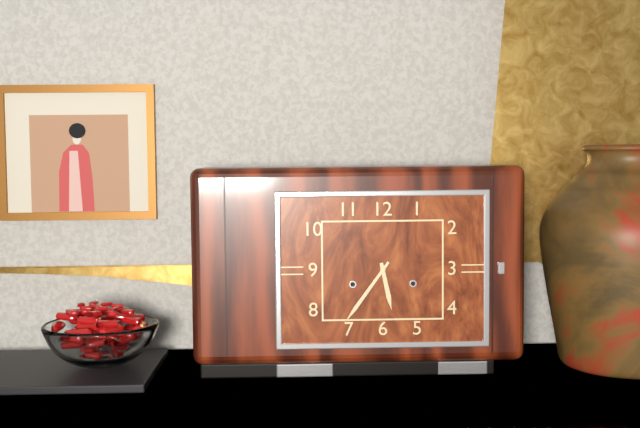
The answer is 5:36
